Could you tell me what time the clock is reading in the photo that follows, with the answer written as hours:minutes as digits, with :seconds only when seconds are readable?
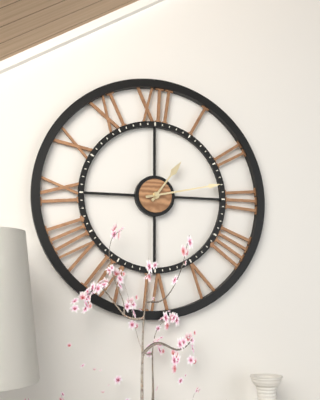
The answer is 1:13
